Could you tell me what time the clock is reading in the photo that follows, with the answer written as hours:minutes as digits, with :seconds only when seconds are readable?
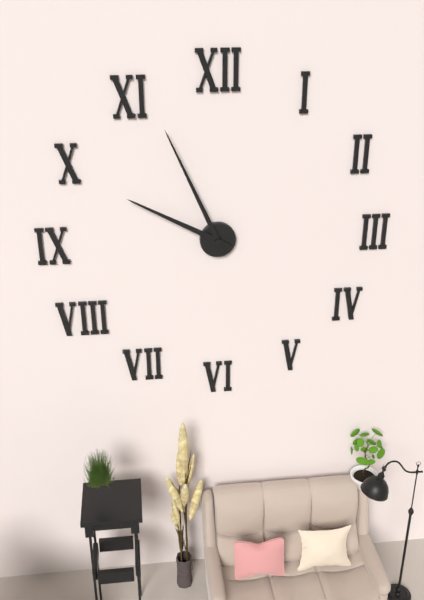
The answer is 9:56
